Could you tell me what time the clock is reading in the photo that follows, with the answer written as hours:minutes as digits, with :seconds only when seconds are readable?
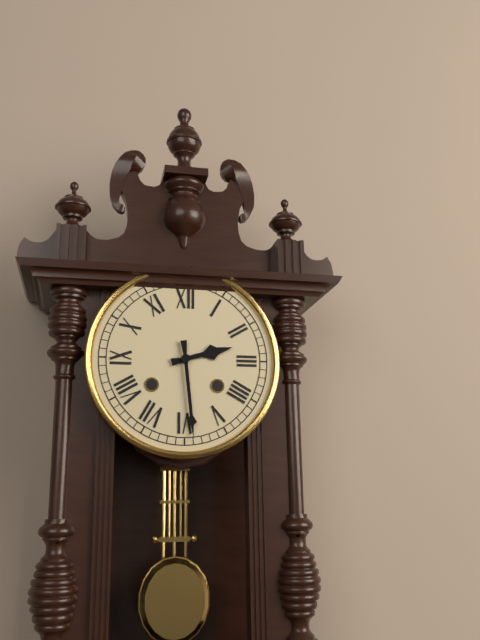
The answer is 2:29
